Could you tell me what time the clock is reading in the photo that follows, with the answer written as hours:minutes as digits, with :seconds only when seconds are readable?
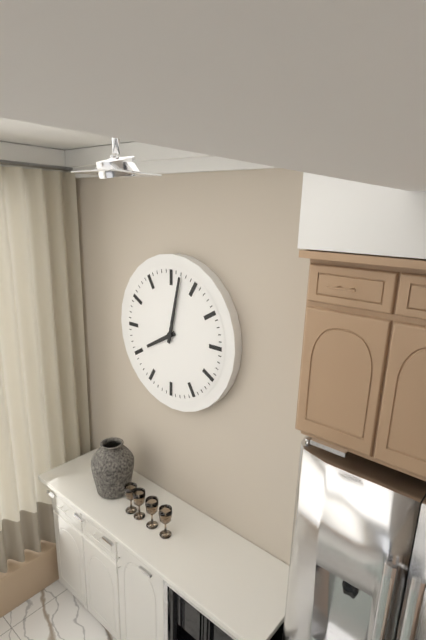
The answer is 8:02
